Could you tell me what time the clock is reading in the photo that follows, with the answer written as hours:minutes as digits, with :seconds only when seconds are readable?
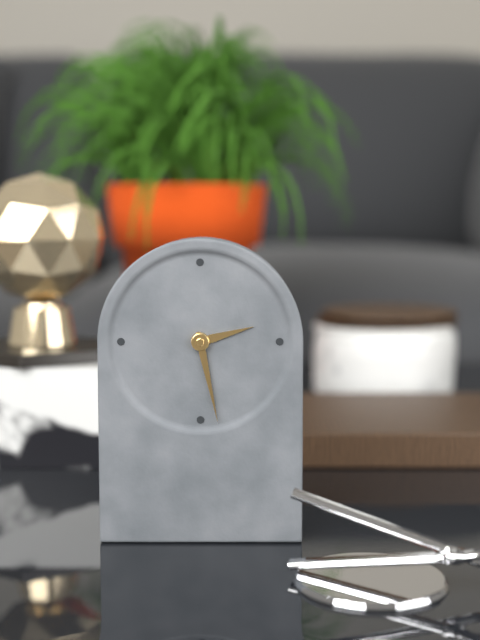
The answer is 2:28
